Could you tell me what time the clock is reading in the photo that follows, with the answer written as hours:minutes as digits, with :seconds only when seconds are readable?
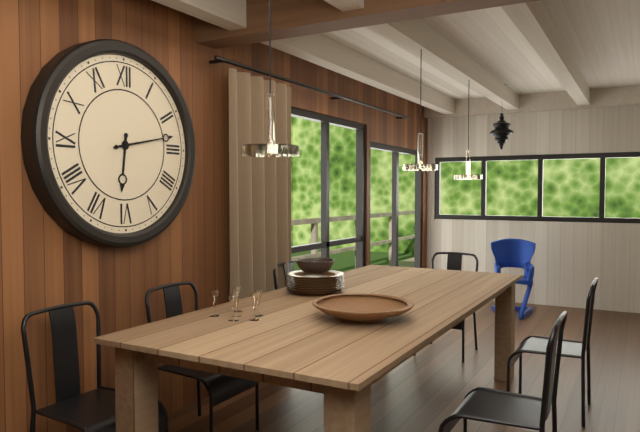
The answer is 6:13
